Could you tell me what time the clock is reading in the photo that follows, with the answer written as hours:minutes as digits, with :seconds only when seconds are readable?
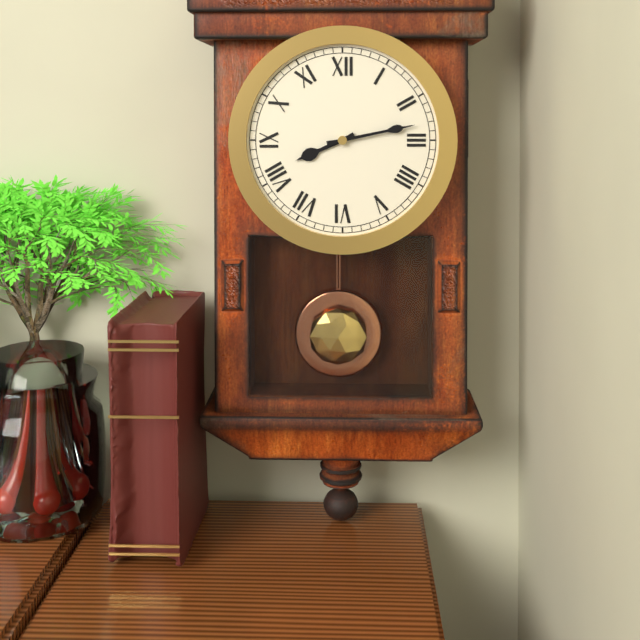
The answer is 8:13
